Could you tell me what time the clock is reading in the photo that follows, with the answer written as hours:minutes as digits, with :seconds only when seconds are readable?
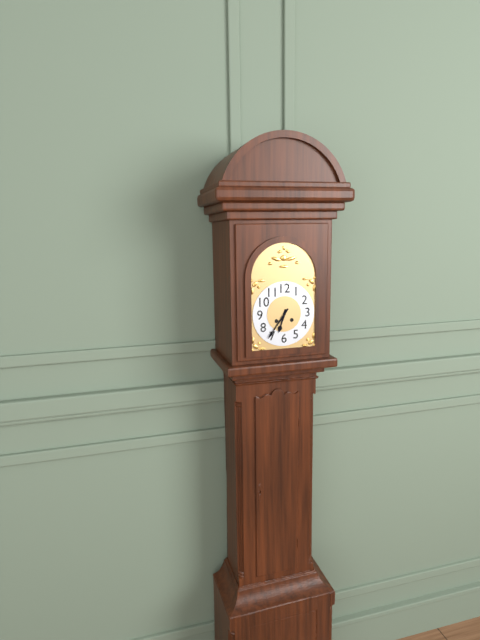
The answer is 6:36
